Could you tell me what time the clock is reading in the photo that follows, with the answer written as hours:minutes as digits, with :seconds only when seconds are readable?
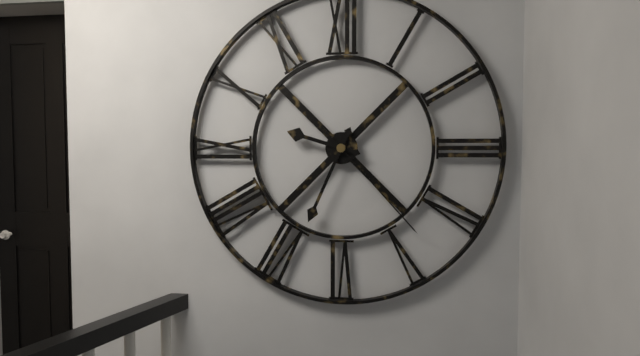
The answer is 9:34:23
